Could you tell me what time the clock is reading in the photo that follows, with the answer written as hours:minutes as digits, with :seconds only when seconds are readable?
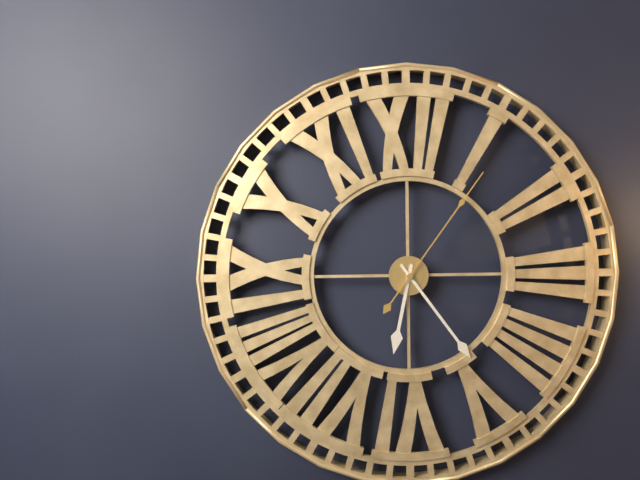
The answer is 6:24:06
